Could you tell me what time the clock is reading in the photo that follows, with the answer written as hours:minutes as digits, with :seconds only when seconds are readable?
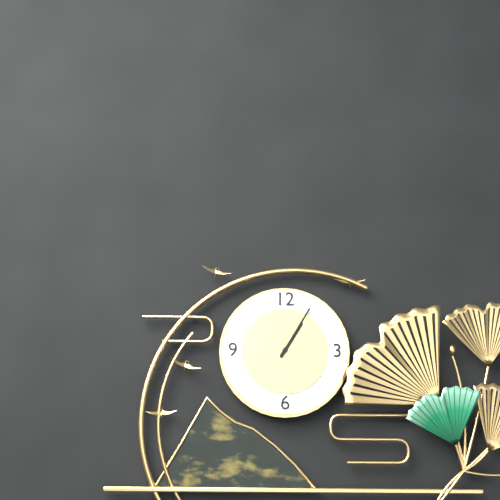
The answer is 1:05
